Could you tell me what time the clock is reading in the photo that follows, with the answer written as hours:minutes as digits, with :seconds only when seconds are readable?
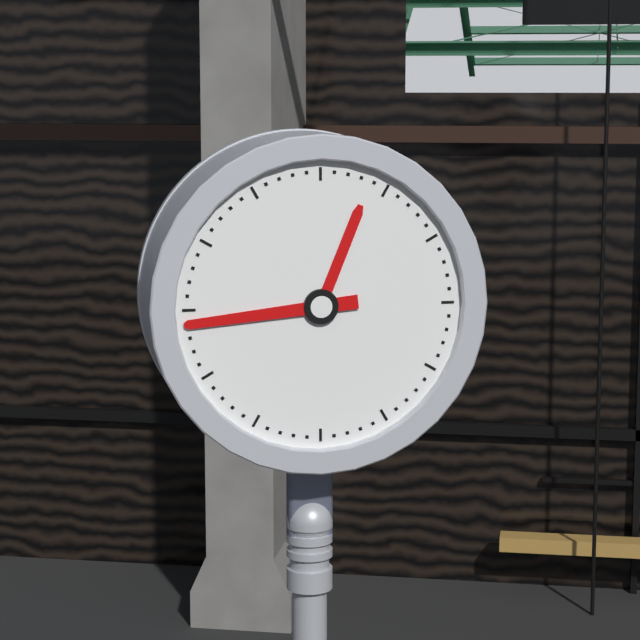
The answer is 12:44
